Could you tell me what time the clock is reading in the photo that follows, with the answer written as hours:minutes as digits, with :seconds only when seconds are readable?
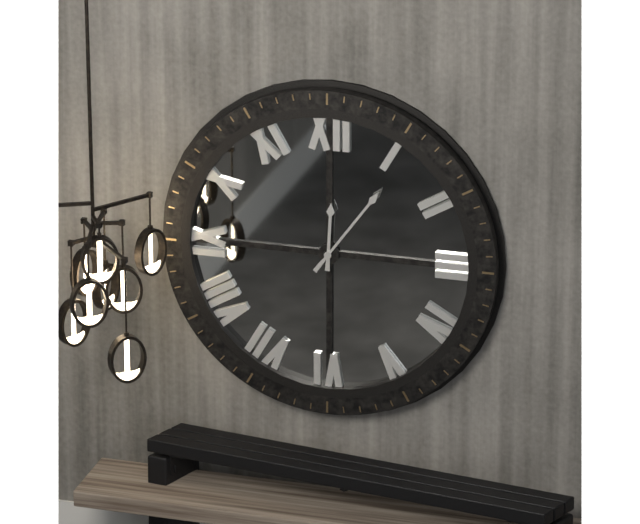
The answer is 12:06
